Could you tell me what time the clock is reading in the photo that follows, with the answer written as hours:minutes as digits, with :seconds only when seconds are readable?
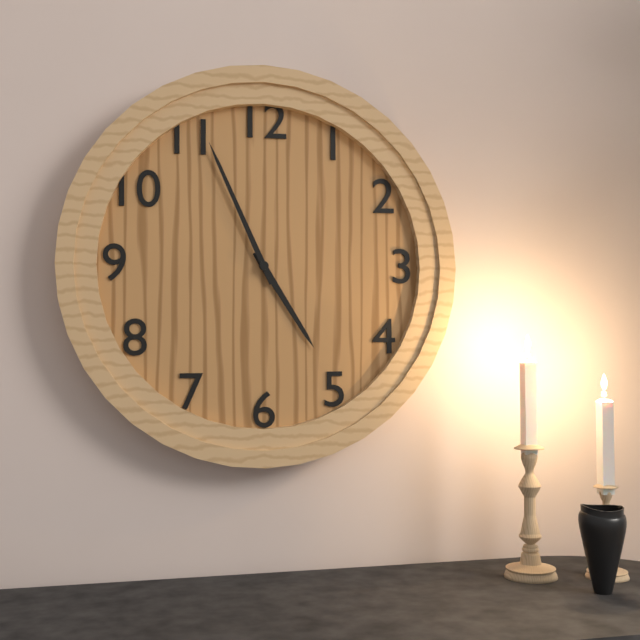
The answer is 4:56
